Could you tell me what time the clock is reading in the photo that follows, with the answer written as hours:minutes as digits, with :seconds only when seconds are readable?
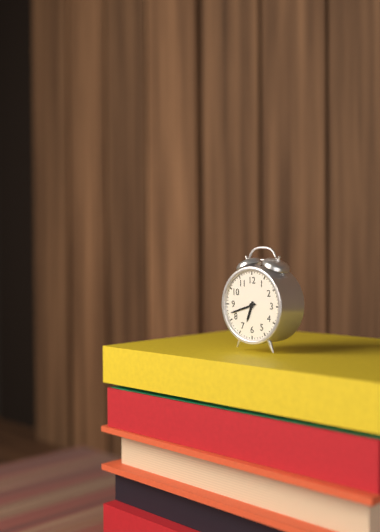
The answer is 6:42
